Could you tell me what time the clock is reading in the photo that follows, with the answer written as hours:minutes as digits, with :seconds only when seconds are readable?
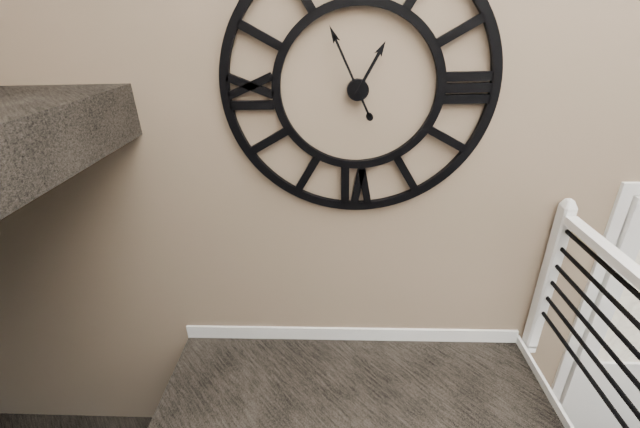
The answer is 12:56
